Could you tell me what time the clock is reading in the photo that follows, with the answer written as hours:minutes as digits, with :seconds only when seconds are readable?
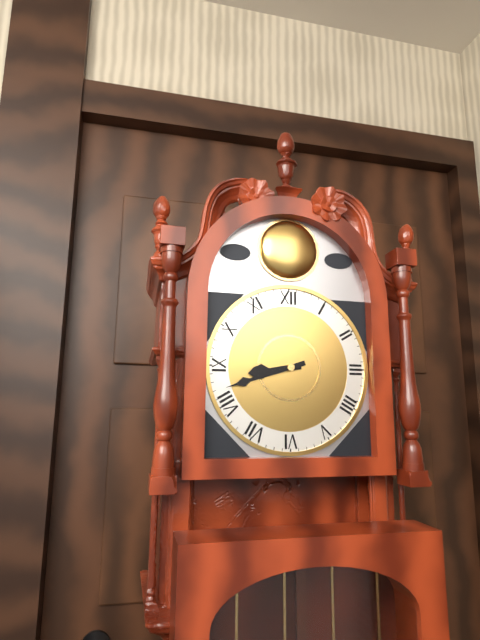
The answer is 8:42
